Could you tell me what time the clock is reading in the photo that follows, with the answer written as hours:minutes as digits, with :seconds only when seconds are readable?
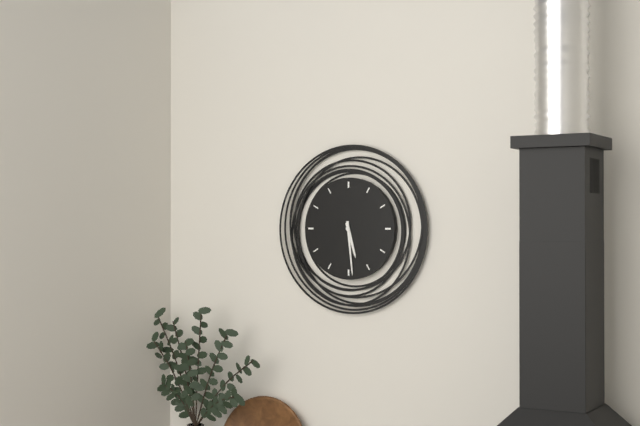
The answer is 5:29
